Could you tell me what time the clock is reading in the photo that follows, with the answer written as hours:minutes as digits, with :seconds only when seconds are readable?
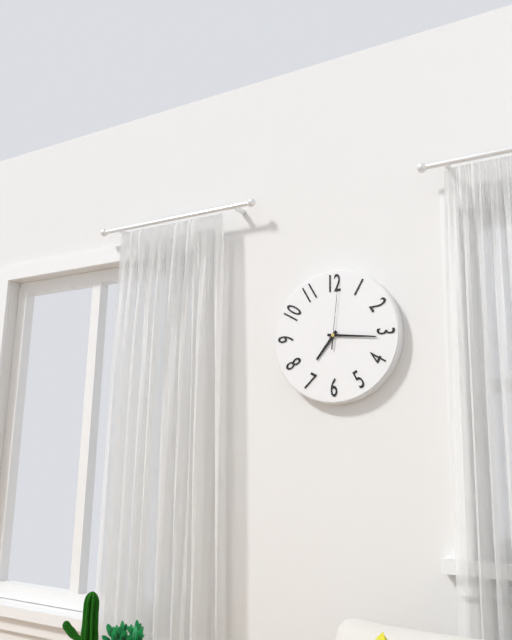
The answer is 7:16:01
